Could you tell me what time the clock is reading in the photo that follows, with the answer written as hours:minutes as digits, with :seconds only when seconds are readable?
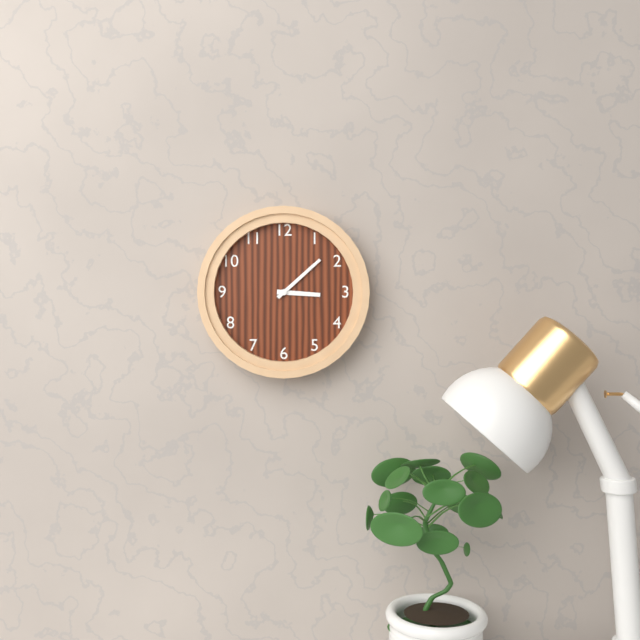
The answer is 3:08
